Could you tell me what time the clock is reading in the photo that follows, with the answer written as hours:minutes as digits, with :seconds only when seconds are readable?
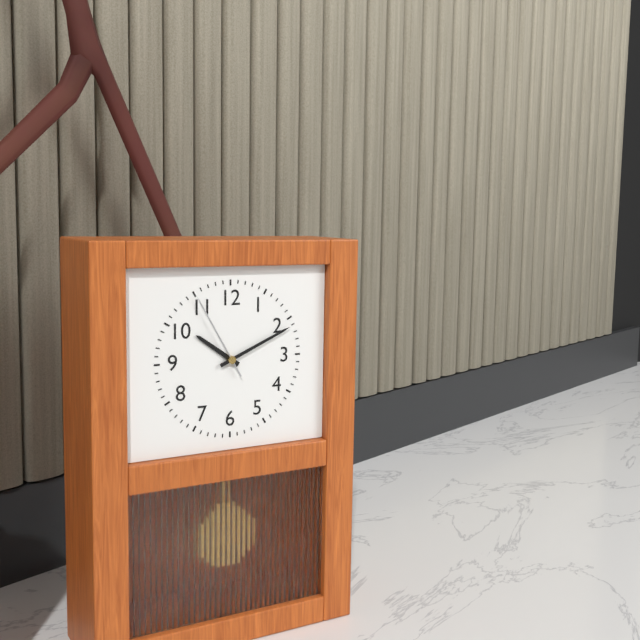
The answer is 10:11:55
